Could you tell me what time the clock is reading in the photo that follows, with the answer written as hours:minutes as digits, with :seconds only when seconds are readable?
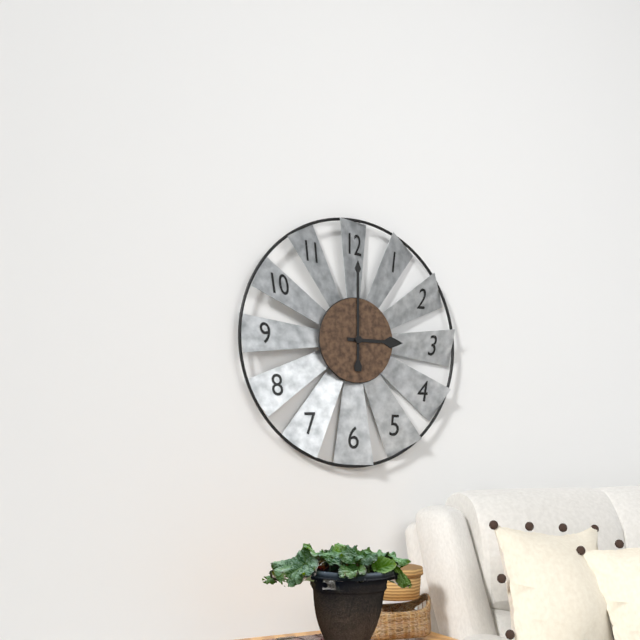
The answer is 3:00
